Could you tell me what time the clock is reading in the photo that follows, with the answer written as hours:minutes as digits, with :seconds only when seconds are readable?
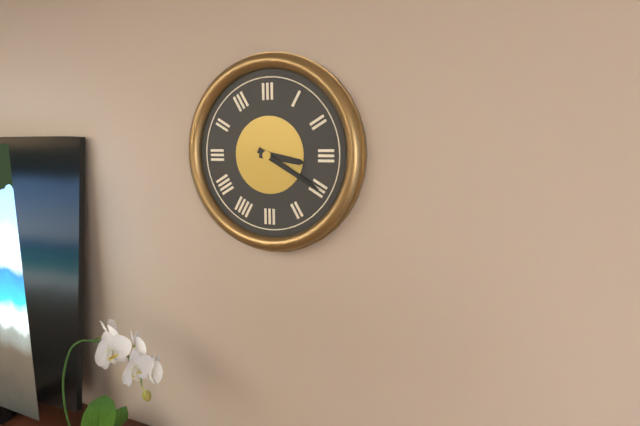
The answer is 3:20
